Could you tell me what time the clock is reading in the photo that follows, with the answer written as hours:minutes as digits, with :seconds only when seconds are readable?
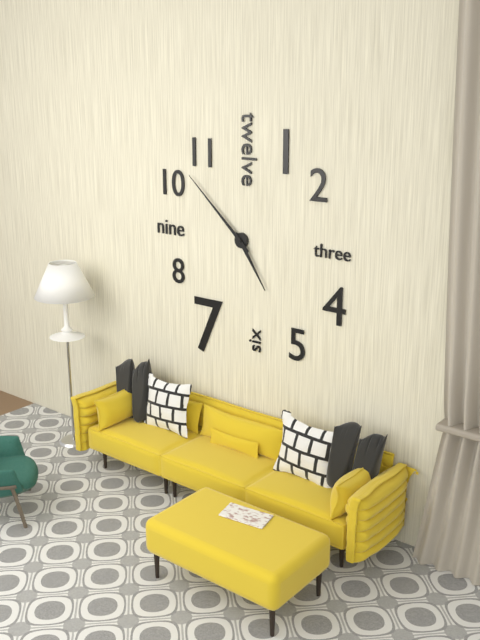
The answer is 4:52
